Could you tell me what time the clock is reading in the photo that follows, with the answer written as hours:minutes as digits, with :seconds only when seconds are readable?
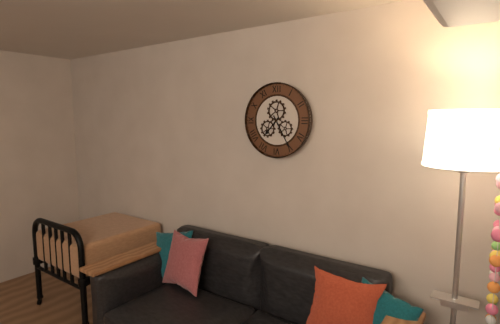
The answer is 7:25
